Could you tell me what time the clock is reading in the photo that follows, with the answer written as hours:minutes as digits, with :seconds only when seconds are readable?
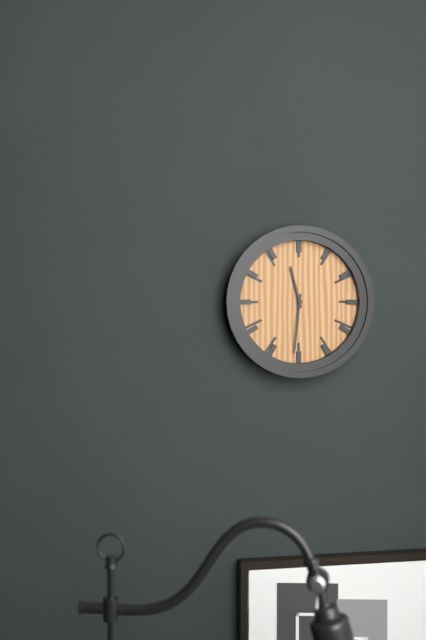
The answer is 11:31
